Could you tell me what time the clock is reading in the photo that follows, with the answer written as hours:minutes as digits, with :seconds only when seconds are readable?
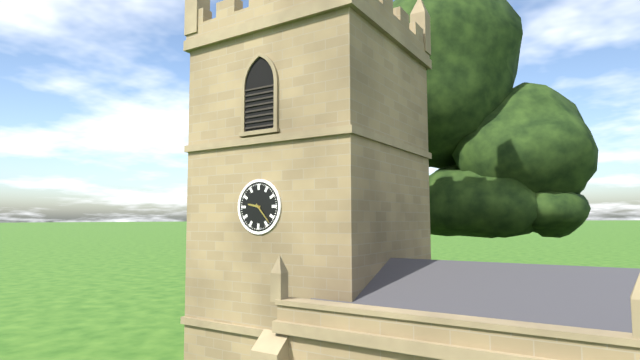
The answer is 9:23
